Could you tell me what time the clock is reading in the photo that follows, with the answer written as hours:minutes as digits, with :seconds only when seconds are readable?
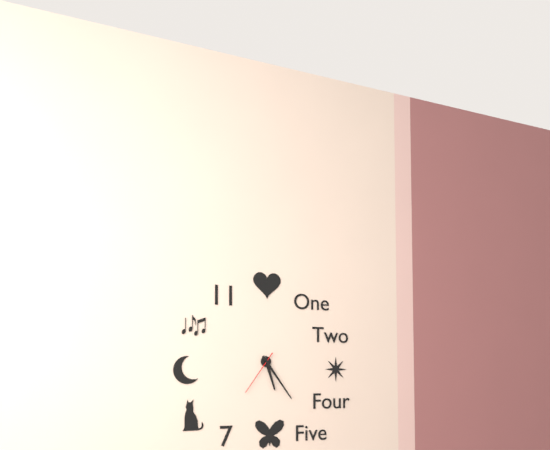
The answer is 5:24
